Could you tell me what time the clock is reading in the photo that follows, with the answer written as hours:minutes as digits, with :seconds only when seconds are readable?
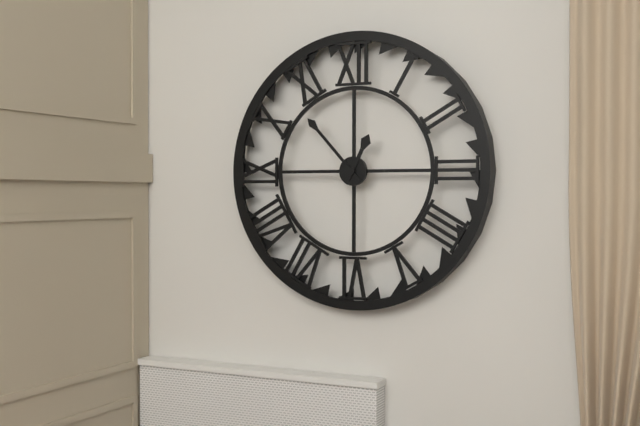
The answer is 12:53
